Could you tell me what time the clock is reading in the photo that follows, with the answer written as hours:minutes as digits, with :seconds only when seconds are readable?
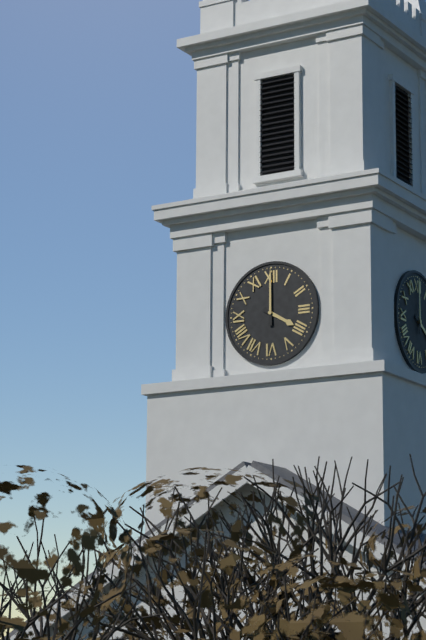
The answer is 4:00
